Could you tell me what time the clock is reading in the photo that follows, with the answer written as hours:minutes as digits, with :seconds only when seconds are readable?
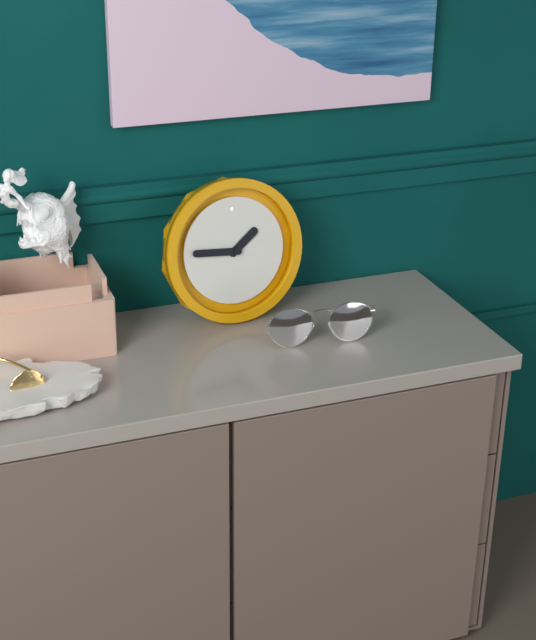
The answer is 1:46
